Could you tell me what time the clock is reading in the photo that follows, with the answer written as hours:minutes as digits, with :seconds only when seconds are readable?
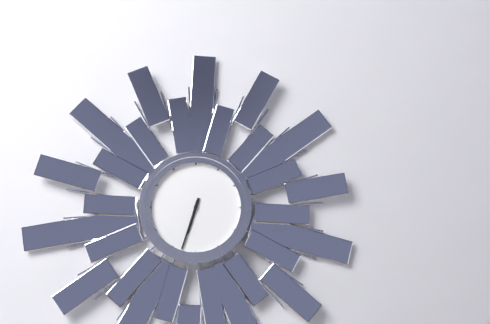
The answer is 6:33
